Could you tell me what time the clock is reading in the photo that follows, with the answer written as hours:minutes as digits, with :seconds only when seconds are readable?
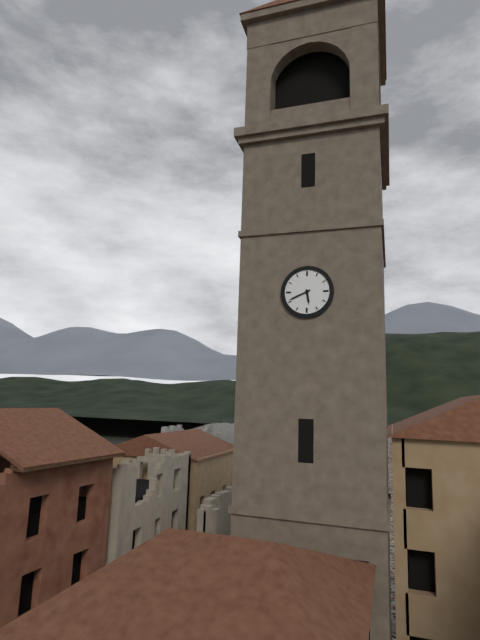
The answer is 5:41
